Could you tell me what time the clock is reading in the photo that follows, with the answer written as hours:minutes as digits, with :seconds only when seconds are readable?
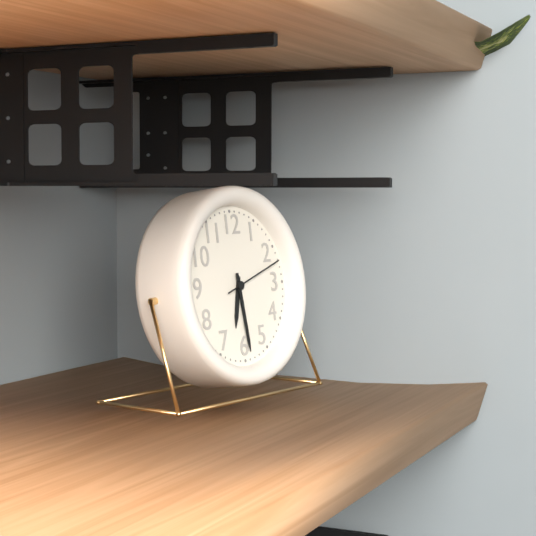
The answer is 6:29:12
